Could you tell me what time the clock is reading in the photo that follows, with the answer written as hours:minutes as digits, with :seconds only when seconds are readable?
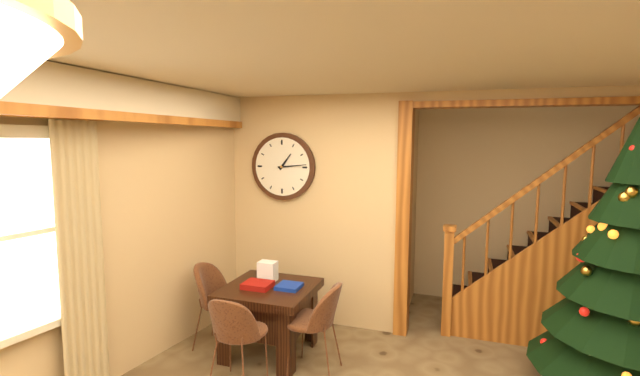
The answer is 1:14
